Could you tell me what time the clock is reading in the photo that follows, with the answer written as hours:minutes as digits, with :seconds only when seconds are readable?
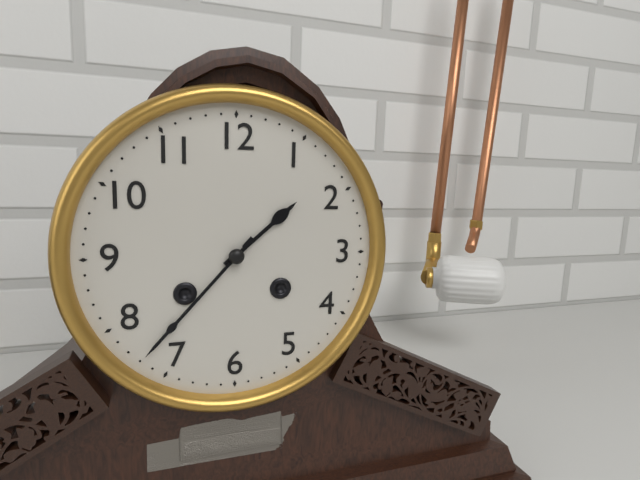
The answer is 1:37
